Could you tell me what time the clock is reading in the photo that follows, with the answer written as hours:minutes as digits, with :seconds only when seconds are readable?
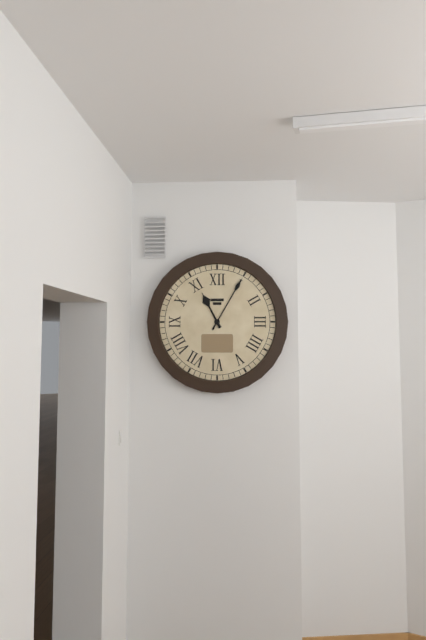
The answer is 11:05
